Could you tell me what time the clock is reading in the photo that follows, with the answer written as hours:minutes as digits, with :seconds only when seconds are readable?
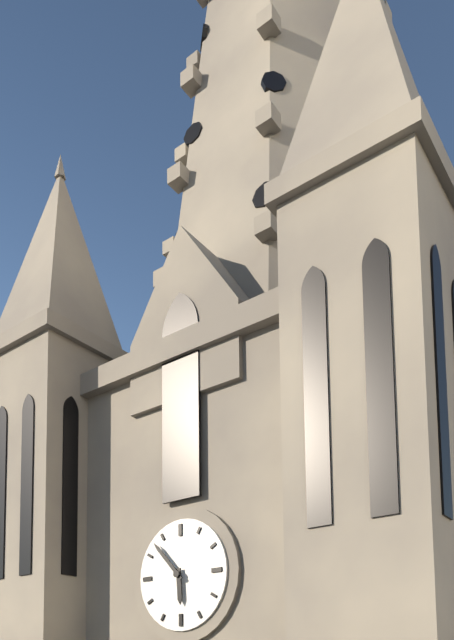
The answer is 5:53
